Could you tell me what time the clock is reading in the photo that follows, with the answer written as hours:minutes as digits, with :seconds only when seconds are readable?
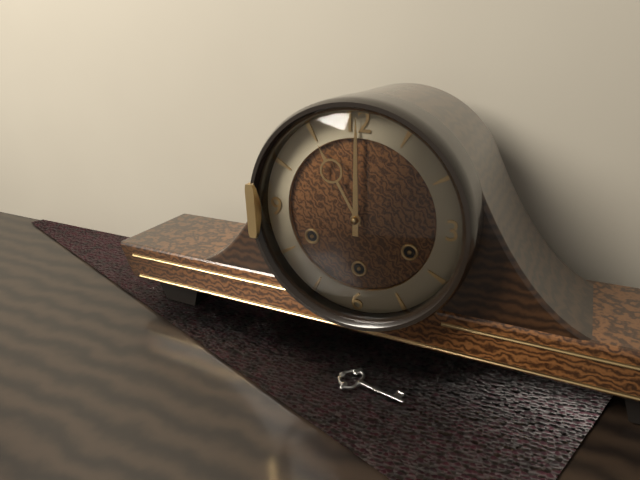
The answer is 11:00
